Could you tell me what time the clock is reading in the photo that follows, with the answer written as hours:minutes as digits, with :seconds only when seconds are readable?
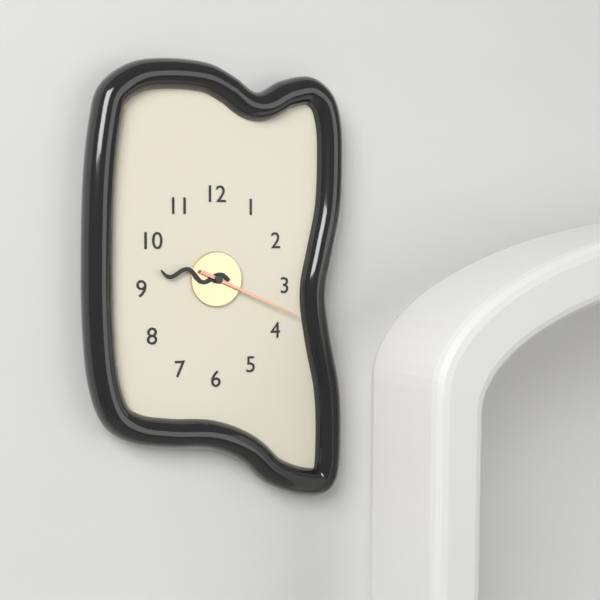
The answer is 9:19
